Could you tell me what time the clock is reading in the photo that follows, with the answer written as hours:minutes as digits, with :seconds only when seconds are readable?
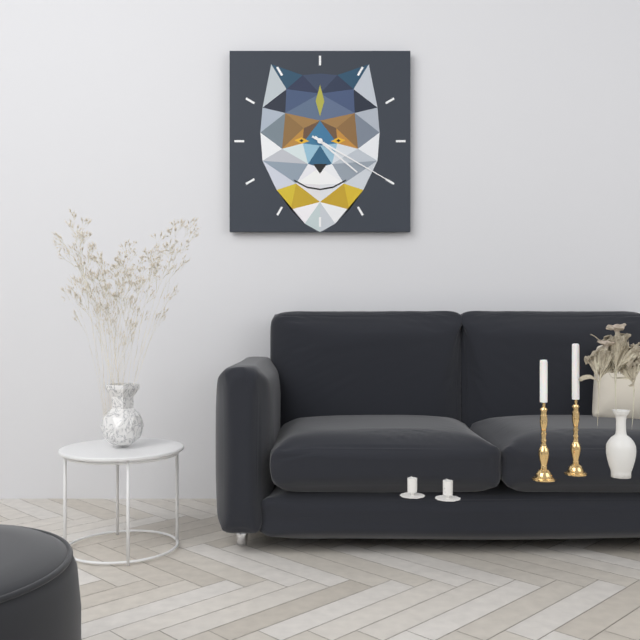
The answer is 4:20
